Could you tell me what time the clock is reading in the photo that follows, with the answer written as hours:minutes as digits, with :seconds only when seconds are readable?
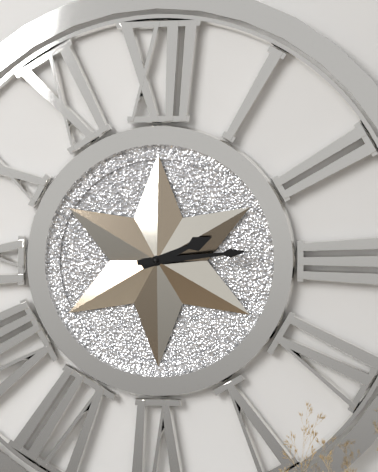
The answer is 2:14
